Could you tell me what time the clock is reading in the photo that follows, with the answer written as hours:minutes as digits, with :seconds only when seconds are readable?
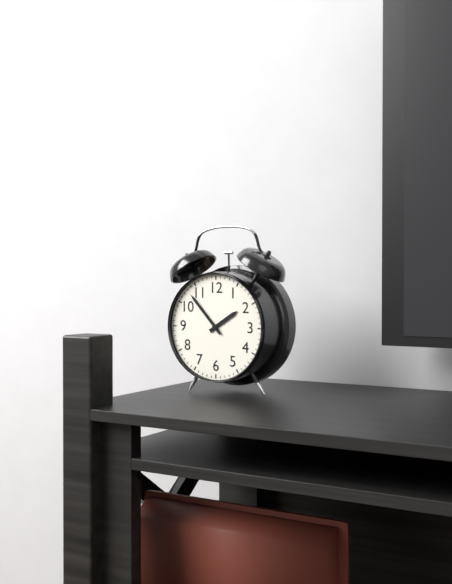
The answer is 1:53
